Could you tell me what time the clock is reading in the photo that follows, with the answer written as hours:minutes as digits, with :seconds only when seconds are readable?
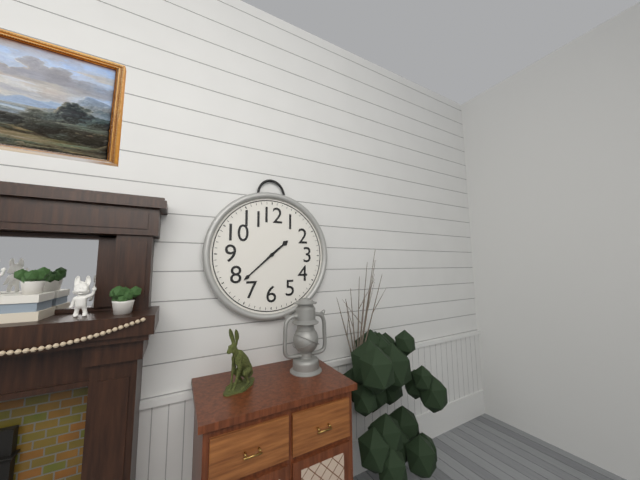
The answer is 1:38
